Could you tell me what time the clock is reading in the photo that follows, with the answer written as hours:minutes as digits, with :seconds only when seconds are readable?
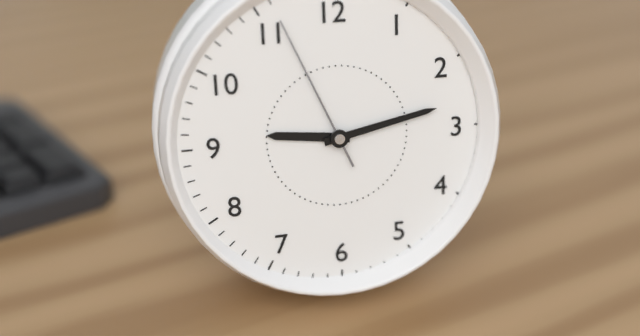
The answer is 9:13:56
